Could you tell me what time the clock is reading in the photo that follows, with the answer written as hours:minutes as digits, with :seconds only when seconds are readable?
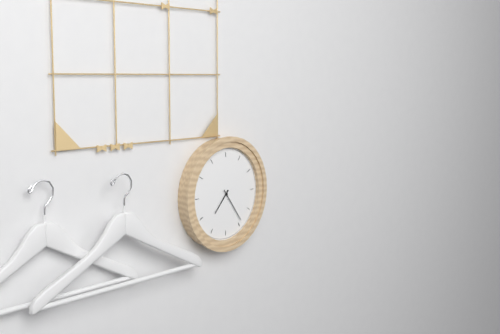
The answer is 7:24
